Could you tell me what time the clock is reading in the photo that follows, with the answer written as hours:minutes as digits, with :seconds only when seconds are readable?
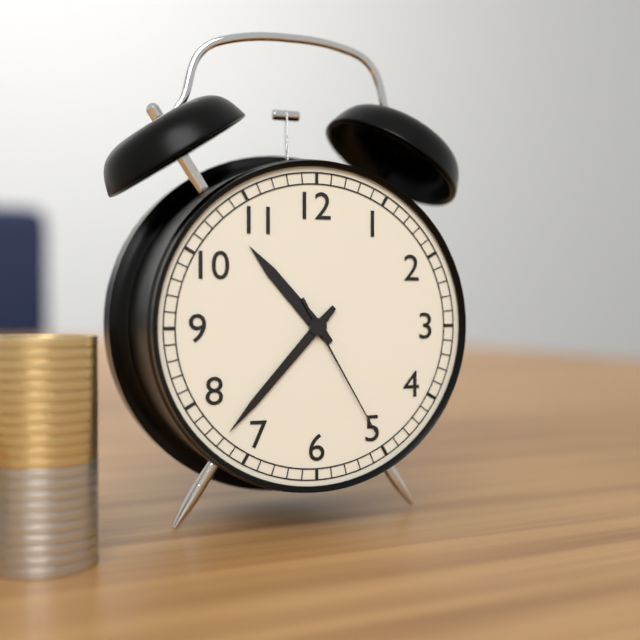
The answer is 10:37:25
